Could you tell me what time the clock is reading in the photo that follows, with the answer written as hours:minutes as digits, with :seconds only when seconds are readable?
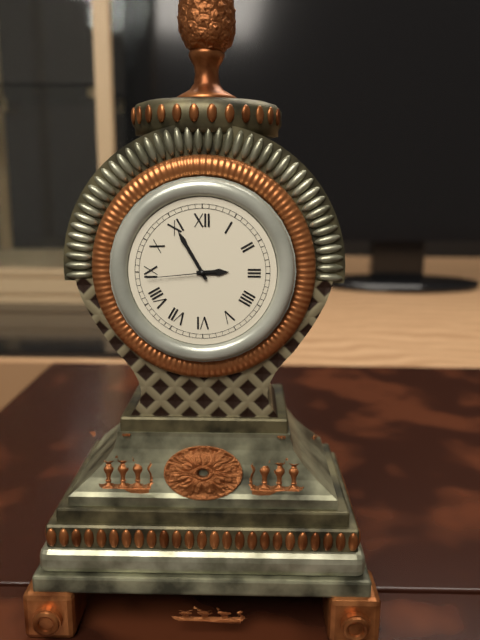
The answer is 2:55:44
